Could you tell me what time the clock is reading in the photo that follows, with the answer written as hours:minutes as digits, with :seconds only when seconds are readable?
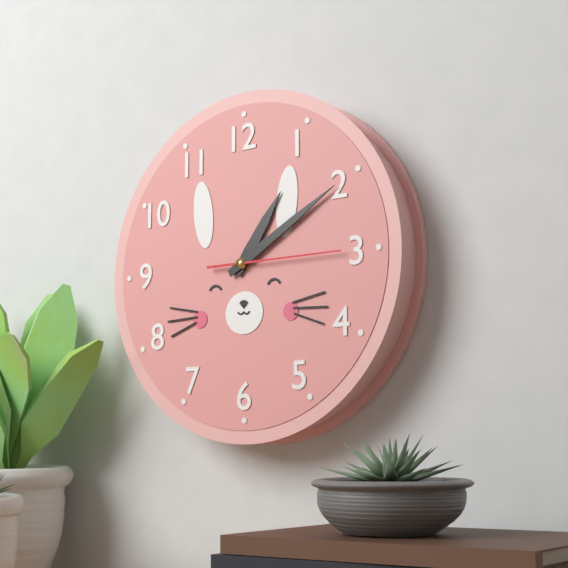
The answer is 1:10:15
